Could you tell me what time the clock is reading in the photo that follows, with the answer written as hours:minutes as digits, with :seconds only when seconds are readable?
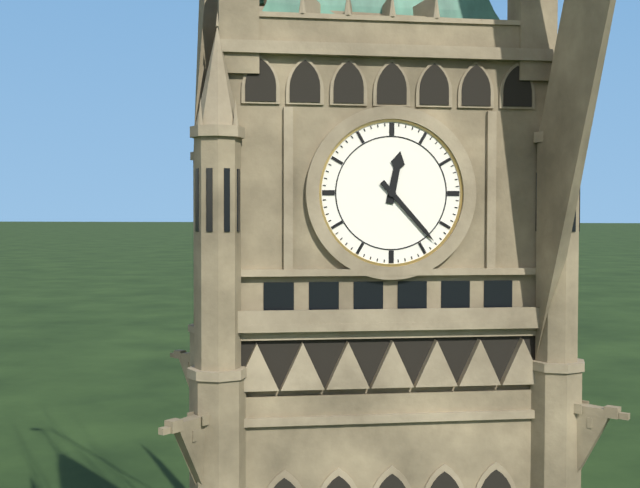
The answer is 12:23
